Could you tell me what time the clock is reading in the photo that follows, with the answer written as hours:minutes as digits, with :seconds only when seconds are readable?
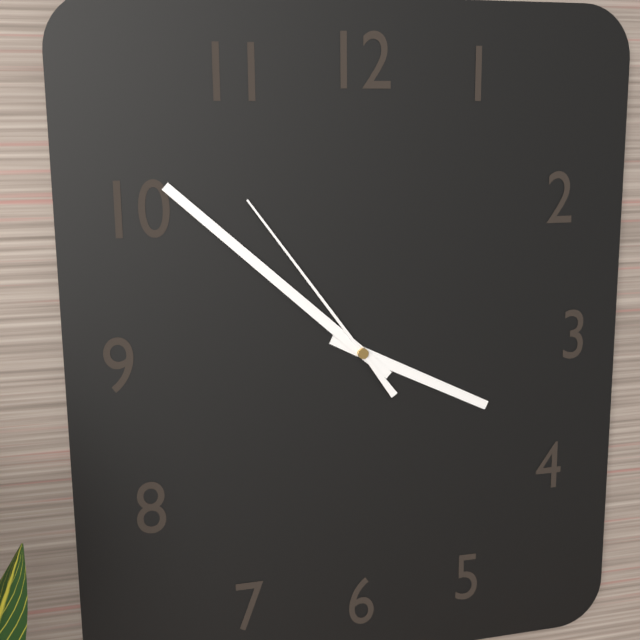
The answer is 3:52:54
